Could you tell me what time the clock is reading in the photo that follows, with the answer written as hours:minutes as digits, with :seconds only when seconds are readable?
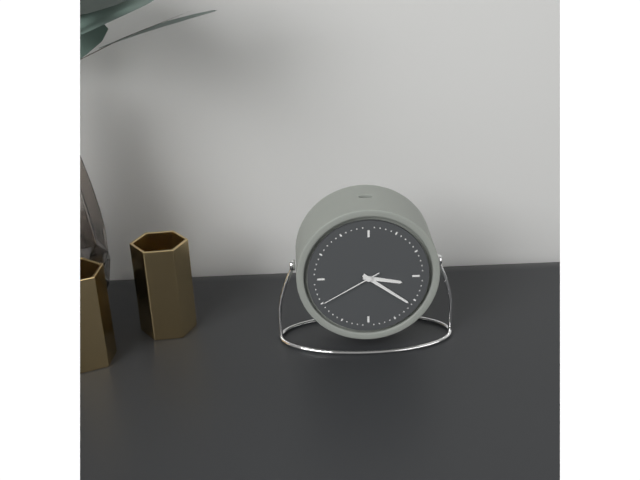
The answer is 3:21:40
